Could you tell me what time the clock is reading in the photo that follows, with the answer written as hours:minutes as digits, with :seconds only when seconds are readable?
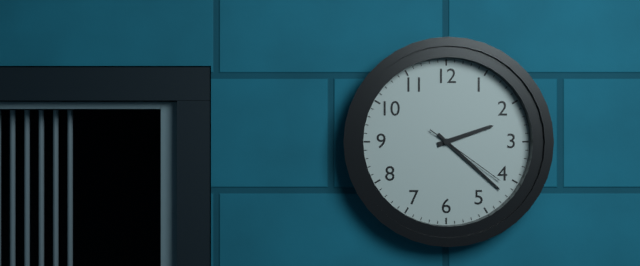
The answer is 2:22:21
